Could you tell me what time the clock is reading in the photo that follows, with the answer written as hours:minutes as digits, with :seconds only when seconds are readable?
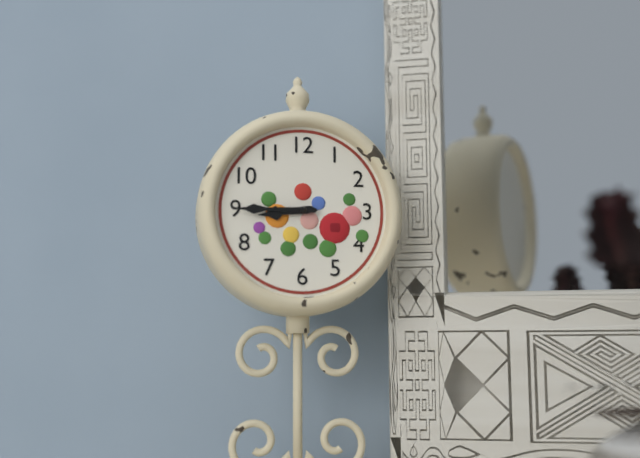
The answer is 8:45
